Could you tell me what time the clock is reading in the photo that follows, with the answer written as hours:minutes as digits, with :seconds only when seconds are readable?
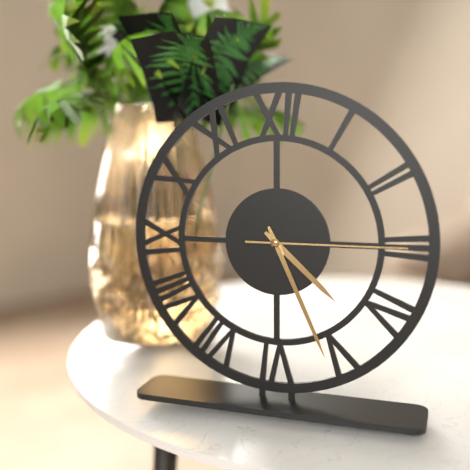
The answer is 4:26:15
